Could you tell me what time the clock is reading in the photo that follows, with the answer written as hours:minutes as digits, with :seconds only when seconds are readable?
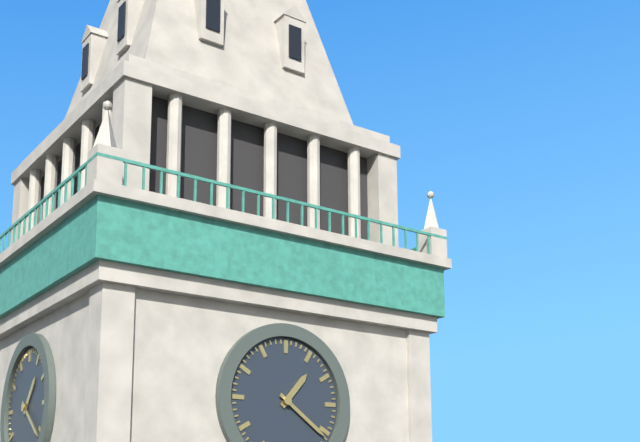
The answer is 1:21
